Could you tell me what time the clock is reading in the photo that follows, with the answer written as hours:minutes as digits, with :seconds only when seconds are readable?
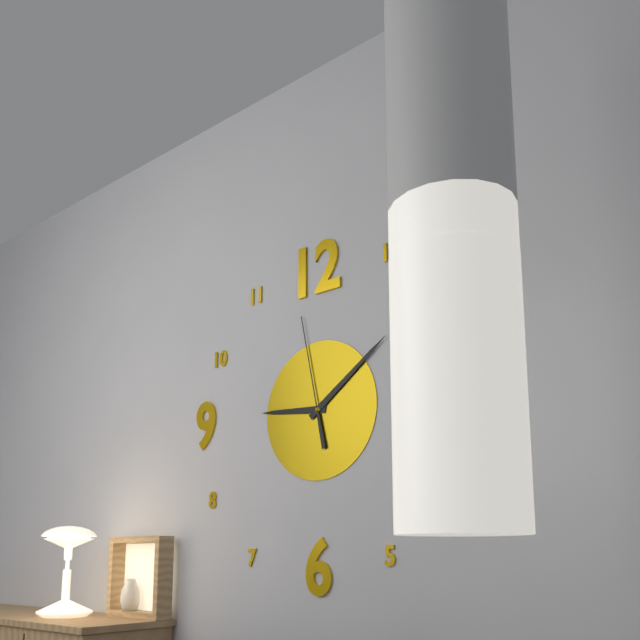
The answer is 9:09:58
